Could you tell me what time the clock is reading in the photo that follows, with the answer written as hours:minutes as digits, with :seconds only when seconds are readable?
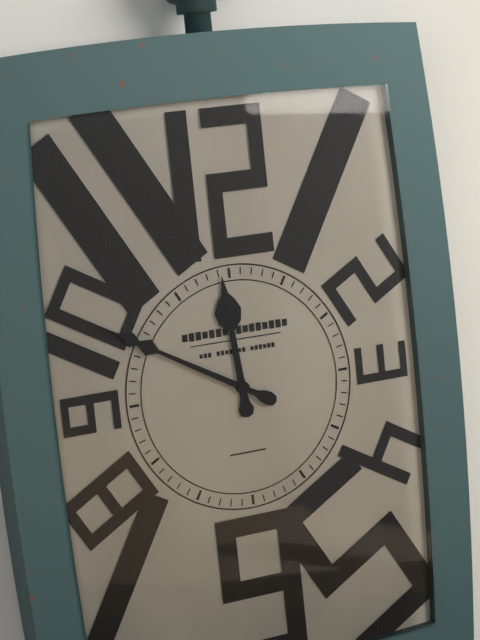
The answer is 11:50
